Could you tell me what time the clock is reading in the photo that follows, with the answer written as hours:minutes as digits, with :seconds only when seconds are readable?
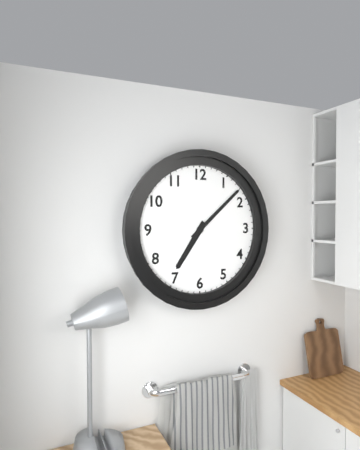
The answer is 7:08
